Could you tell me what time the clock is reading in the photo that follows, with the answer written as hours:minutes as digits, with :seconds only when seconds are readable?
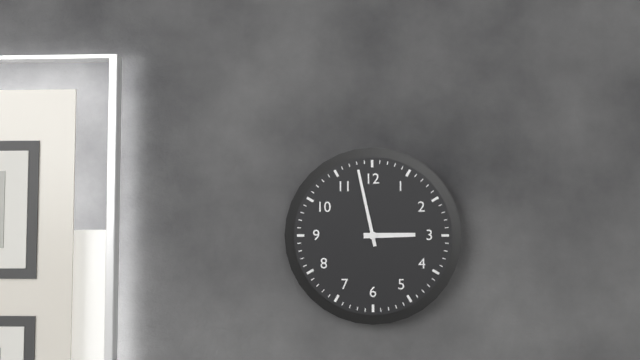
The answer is 2:58
